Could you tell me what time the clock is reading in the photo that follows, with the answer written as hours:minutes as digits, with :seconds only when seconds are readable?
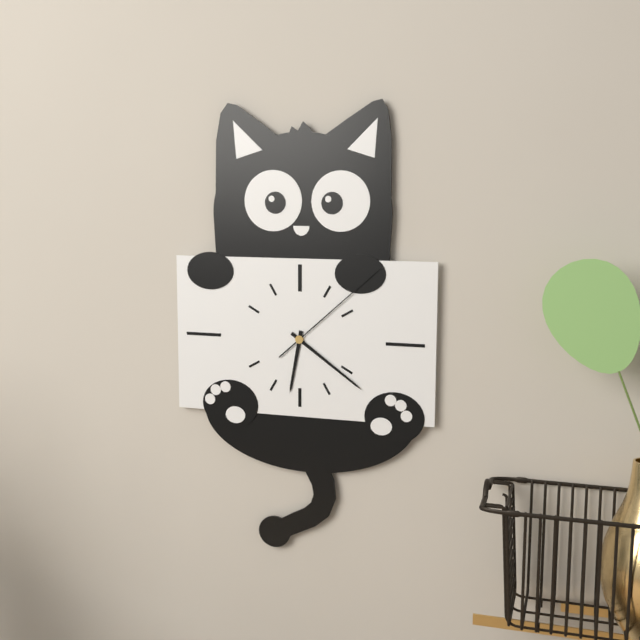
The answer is 6:21:08
